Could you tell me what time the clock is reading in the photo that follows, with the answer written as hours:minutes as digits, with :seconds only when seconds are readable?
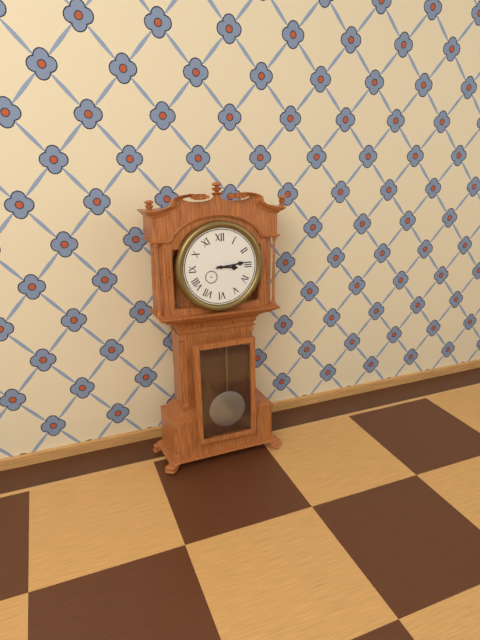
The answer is 3:14
